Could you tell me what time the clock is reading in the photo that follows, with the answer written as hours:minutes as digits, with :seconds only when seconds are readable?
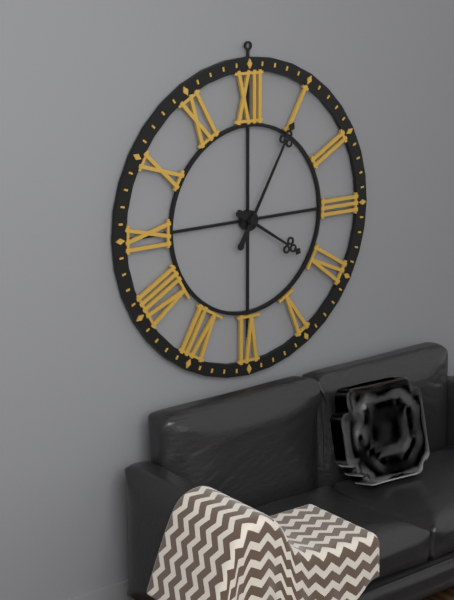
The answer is 4:05
